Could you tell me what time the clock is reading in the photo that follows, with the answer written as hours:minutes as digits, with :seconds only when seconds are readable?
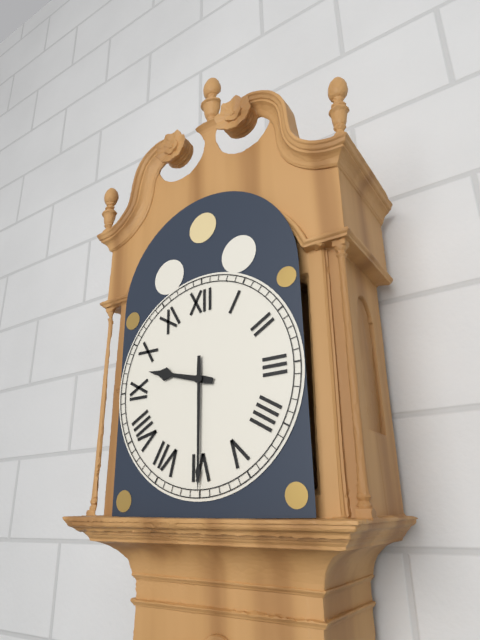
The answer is 9:30
